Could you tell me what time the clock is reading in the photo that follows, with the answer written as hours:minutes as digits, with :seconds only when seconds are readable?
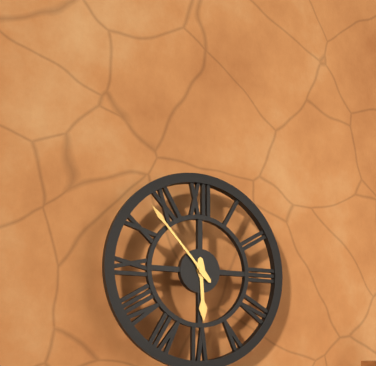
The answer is 5:53
